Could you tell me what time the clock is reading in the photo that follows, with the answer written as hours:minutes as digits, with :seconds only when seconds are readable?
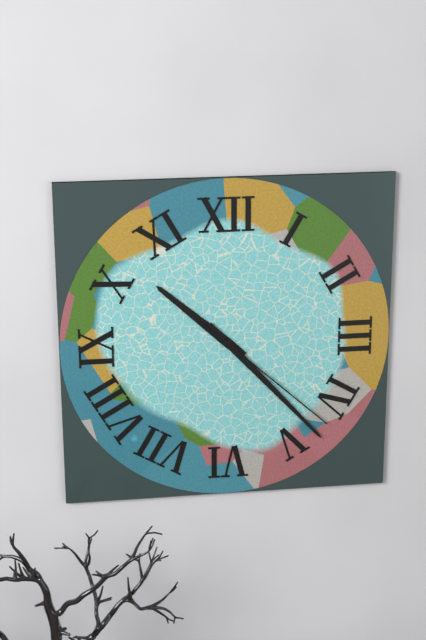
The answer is 10:23:22
